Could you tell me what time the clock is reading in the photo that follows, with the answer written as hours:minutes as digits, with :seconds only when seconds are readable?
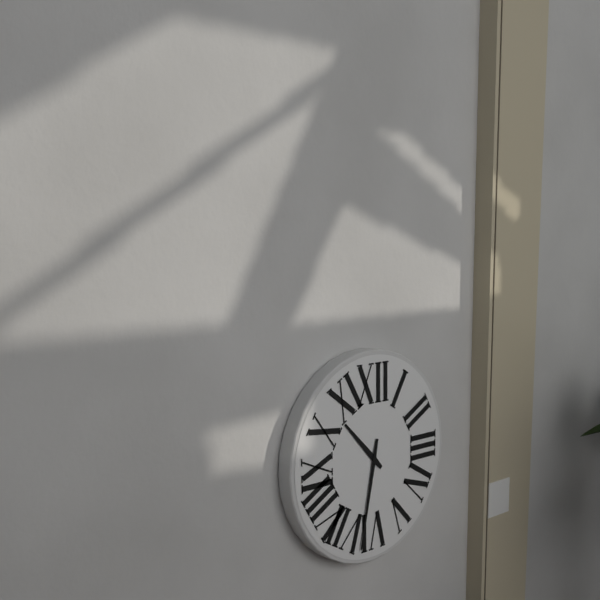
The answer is 10:32
